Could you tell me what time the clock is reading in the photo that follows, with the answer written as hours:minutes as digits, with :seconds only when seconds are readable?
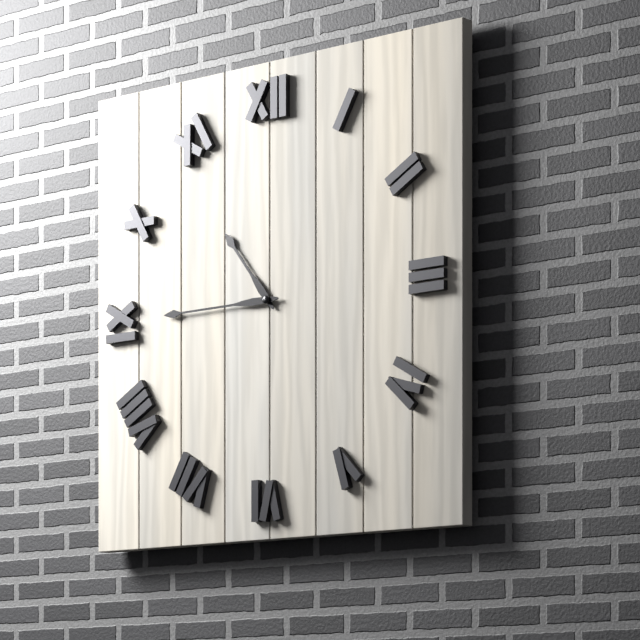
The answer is 10:45
